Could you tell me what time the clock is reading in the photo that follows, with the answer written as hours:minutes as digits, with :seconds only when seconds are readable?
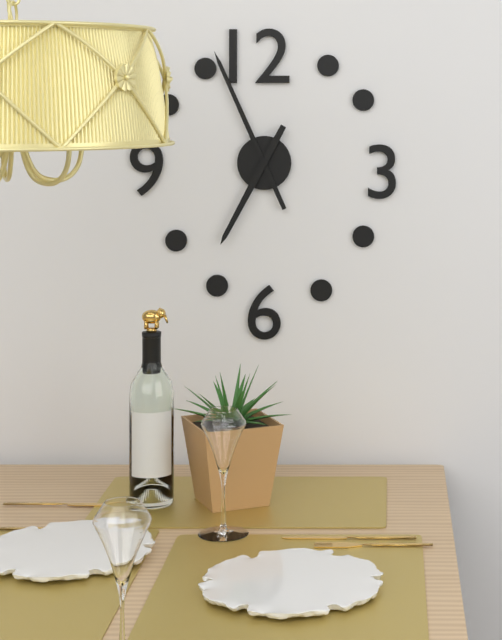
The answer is 6:56
